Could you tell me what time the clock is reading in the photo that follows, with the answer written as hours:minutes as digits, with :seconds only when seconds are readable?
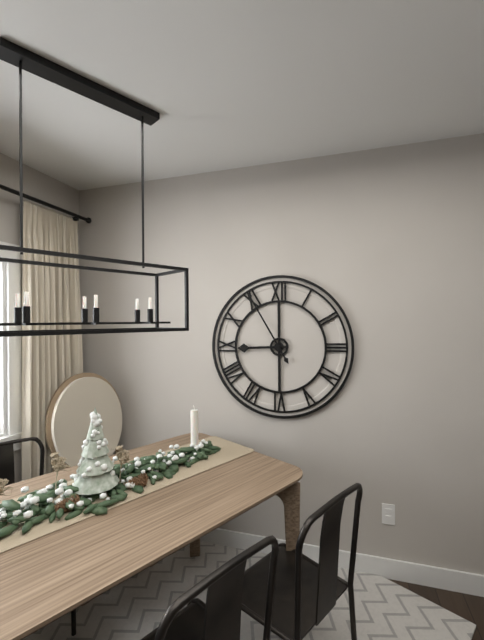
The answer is 8:55
